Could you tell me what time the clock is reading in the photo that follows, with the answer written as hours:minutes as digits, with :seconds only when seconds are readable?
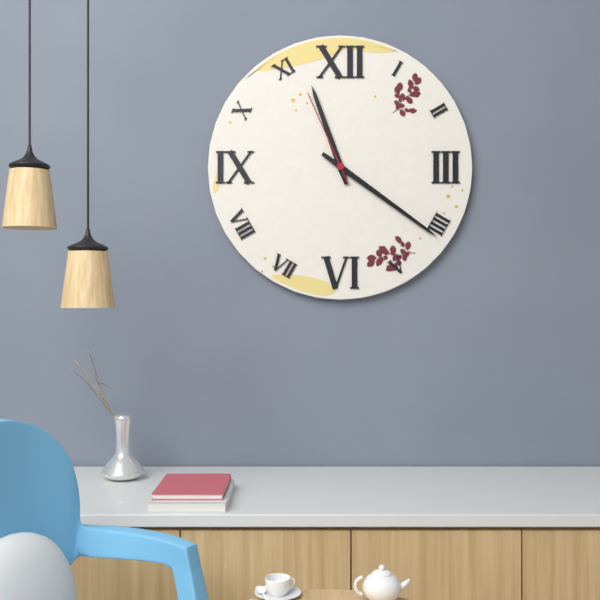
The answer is 11:21:56
